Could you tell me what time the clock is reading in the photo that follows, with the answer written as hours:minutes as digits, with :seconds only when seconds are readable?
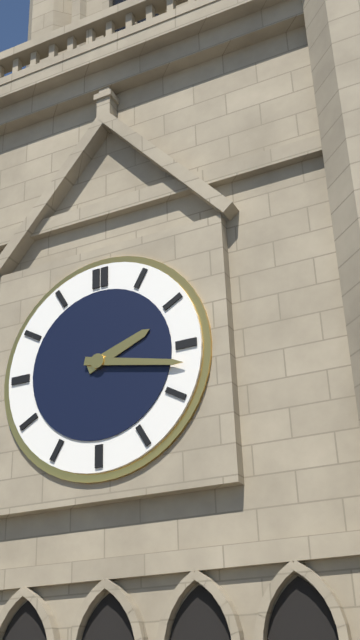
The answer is 2:17
